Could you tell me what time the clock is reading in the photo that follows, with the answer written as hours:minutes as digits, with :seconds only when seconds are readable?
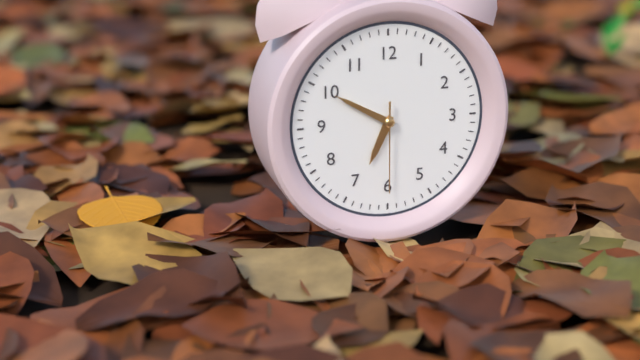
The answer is 6:50:30
